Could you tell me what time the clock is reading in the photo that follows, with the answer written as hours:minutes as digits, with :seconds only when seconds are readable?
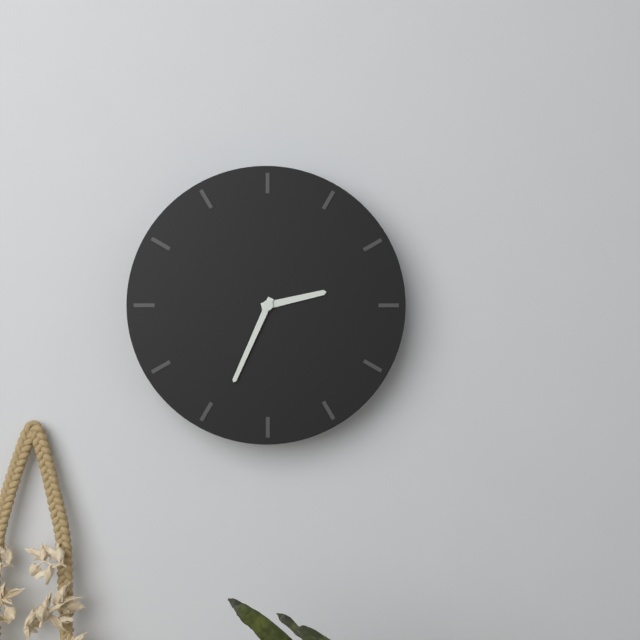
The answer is 2:34
